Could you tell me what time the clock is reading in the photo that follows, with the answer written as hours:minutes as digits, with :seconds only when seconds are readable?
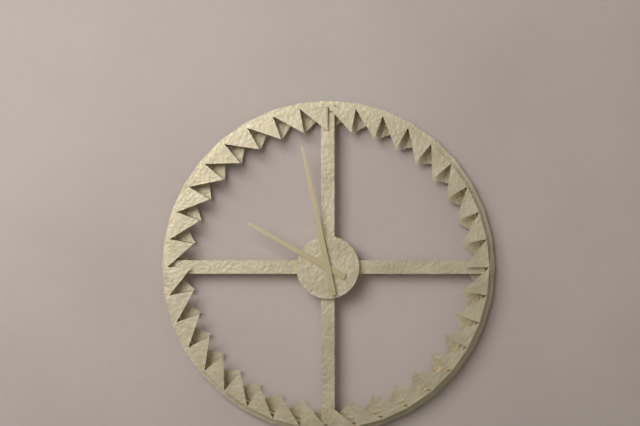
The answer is 9:58
